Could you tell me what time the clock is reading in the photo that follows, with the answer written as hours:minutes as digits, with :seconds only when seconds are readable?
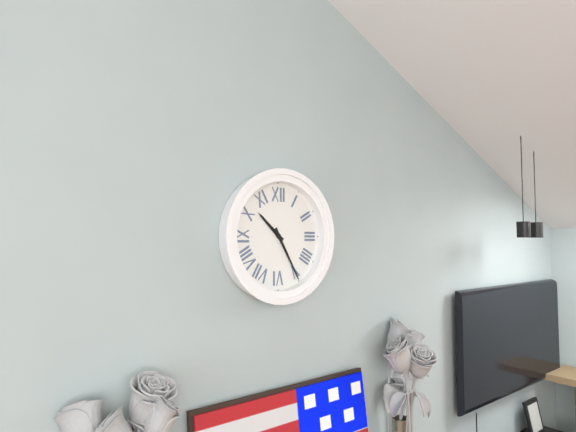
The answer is 10:25
